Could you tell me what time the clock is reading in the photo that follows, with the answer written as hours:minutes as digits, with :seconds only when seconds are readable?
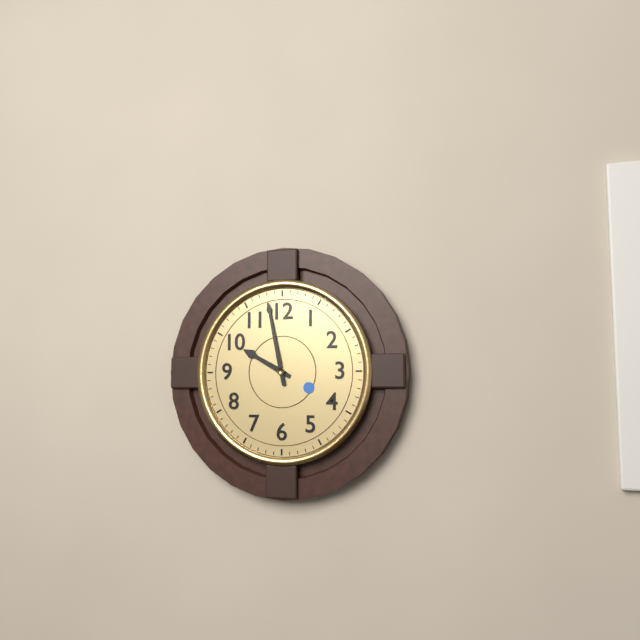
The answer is 9:58
